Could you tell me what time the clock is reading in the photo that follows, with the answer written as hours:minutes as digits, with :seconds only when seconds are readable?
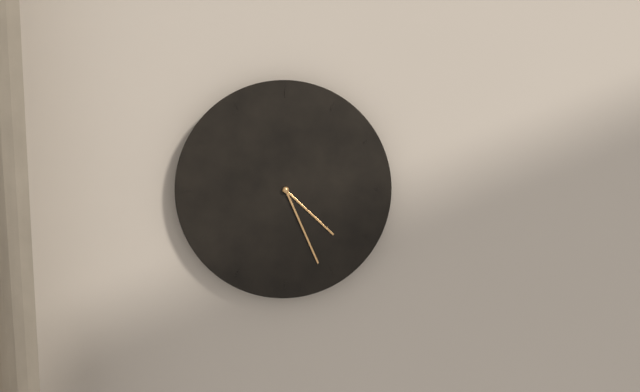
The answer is 4:26
